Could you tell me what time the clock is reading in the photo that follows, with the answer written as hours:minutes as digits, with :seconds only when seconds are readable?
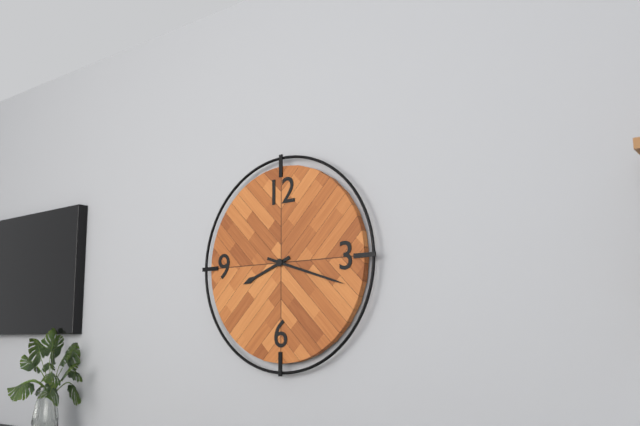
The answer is 8:18
